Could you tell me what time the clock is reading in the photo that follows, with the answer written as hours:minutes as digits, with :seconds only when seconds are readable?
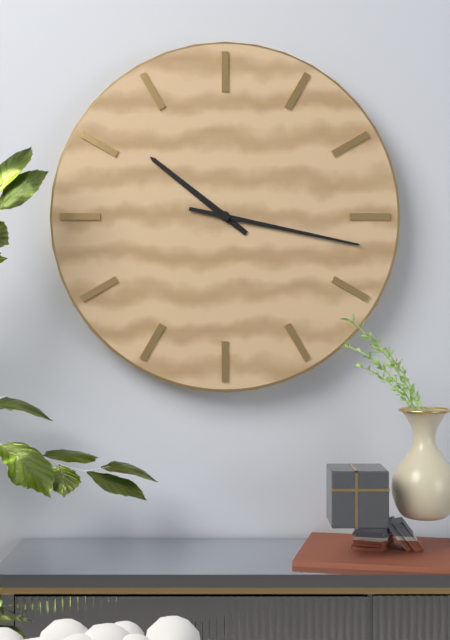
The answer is 10:17
